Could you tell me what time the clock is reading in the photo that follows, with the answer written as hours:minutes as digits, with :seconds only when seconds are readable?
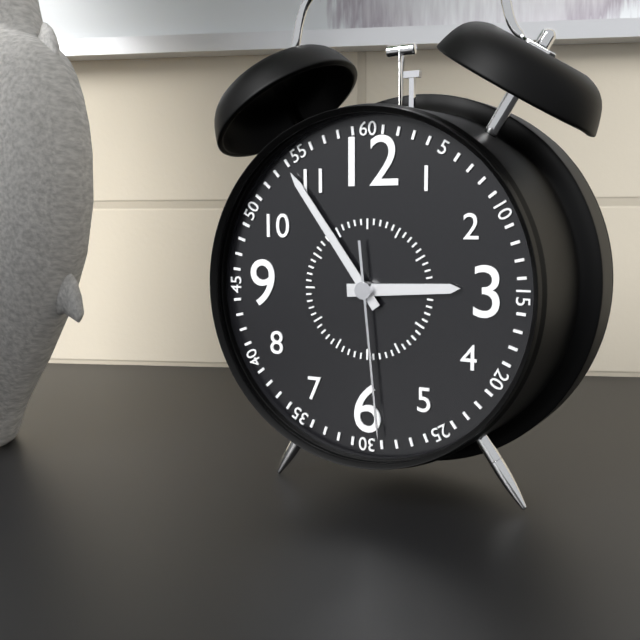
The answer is 2:54:29
